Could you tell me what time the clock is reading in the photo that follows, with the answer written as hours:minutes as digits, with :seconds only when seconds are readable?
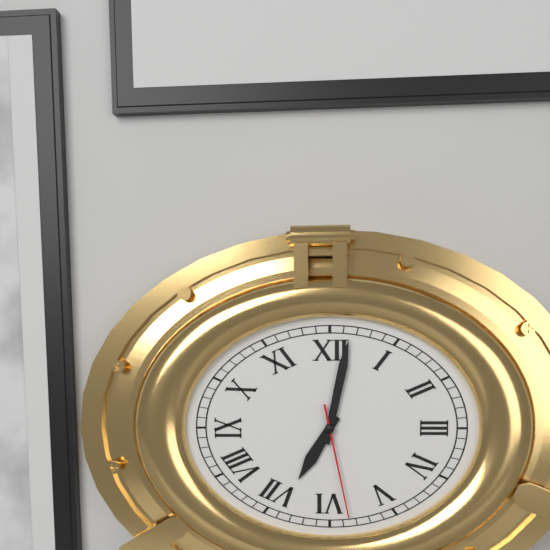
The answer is 7:02:28
